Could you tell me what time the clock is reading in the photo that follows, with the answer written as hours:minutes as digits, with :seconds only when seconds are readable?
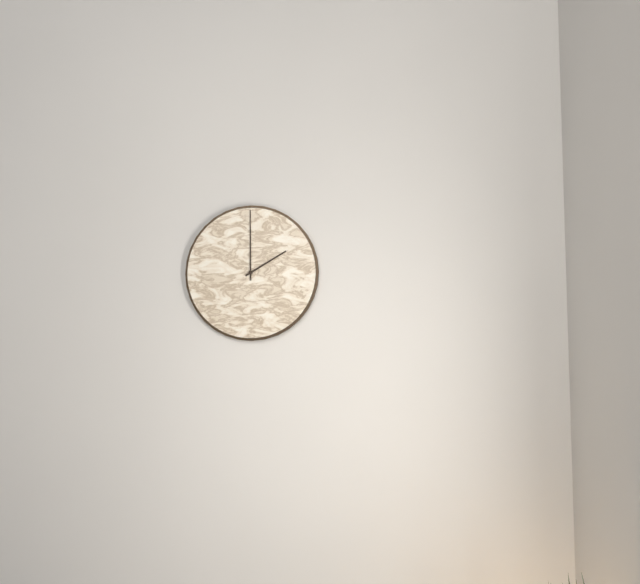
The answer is 2:00
